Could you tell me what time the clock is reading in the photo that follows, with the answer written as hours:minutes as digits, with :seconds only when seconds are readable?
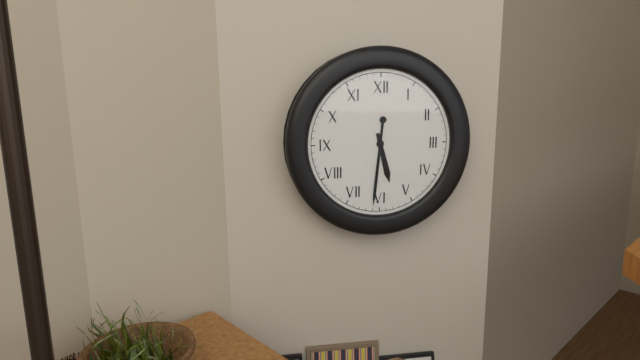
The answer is 5:31
